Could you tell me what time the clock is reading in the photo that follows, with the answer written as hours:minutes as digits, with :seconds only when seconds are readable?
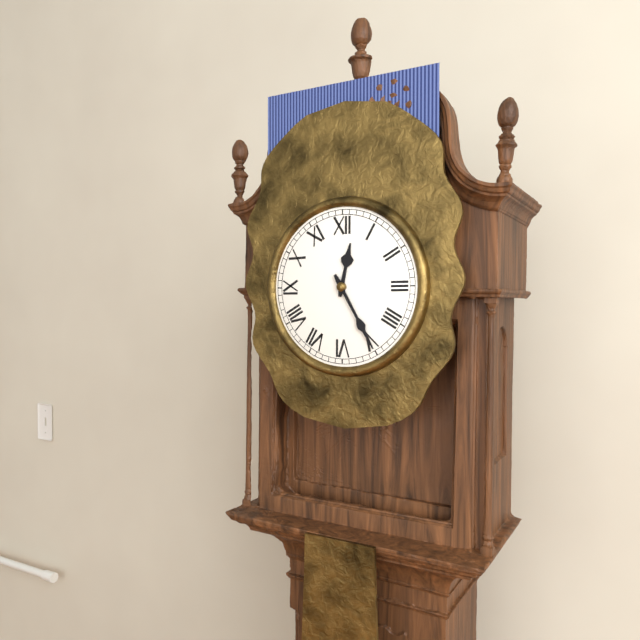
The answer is 12:25
